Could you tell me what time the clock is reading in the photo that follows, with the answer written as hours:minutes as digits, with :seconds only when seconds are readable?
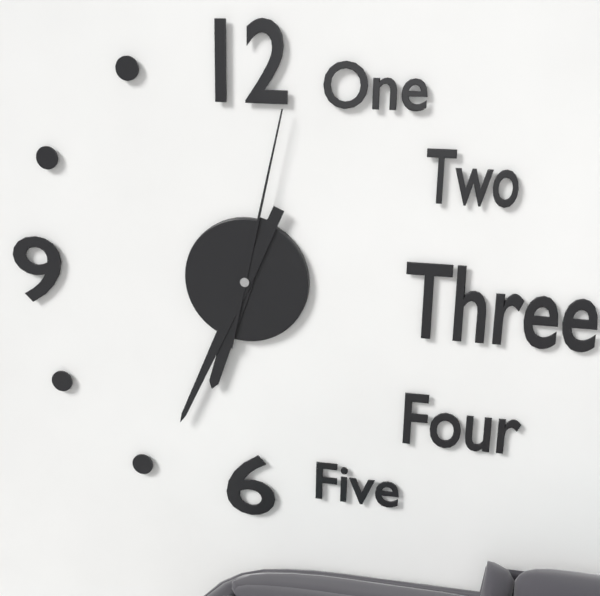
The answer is 6:34:02
